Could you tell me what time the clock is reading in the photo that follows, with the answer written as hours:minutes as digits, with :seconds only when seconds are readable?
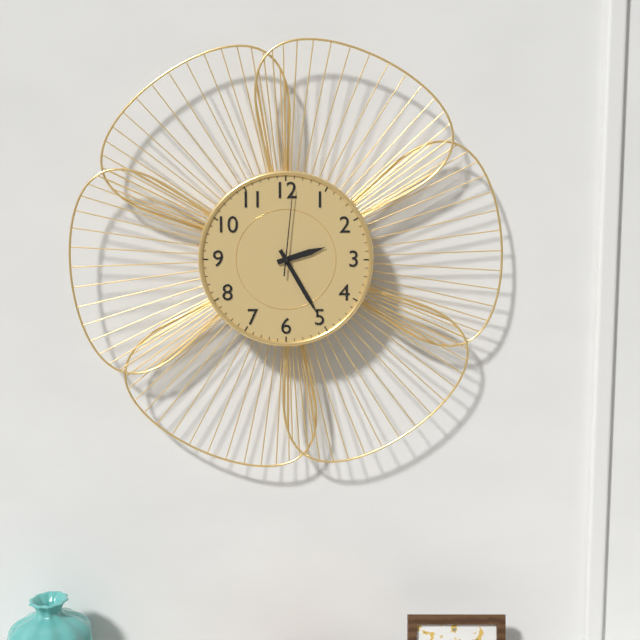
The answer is 2:25:01
